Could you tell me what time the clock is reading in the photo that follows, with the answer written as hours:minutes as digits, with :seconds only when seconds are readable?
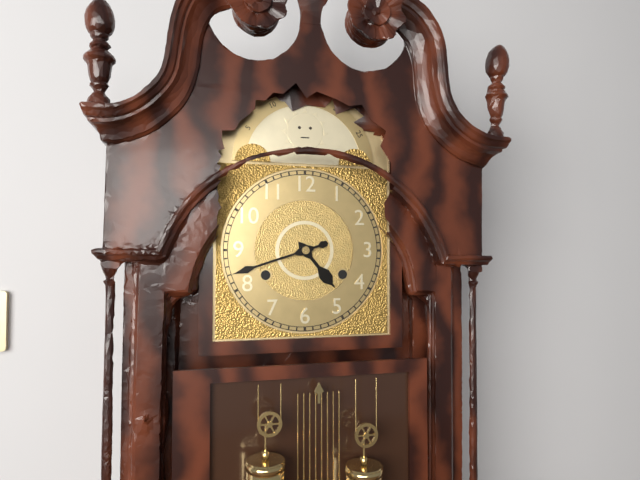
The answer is 4:42
